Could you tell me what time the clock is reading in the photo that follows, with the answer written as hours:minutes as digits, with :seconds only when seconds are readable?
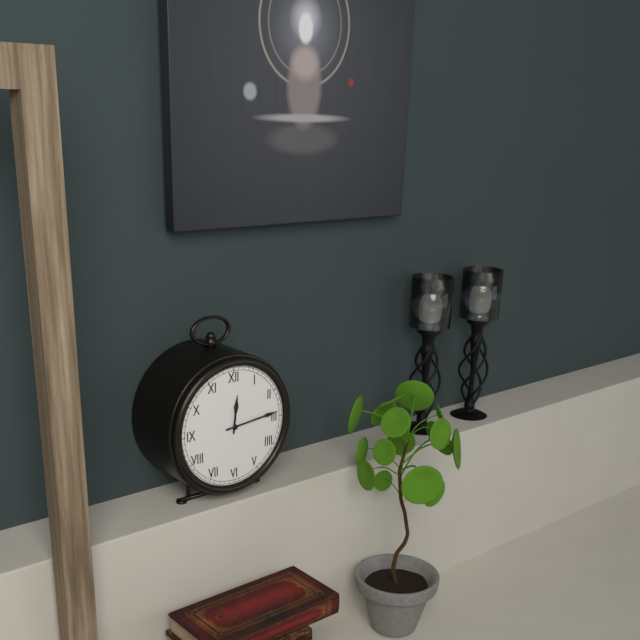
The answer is 12:14
